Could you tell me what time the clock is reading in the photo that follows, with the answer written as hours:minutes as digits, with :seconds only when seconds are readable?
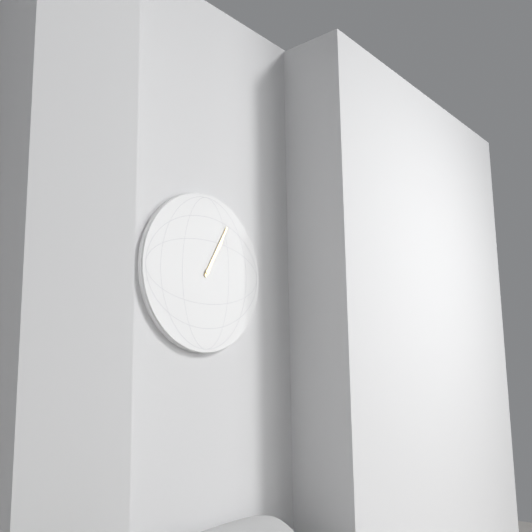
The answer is 1:05
